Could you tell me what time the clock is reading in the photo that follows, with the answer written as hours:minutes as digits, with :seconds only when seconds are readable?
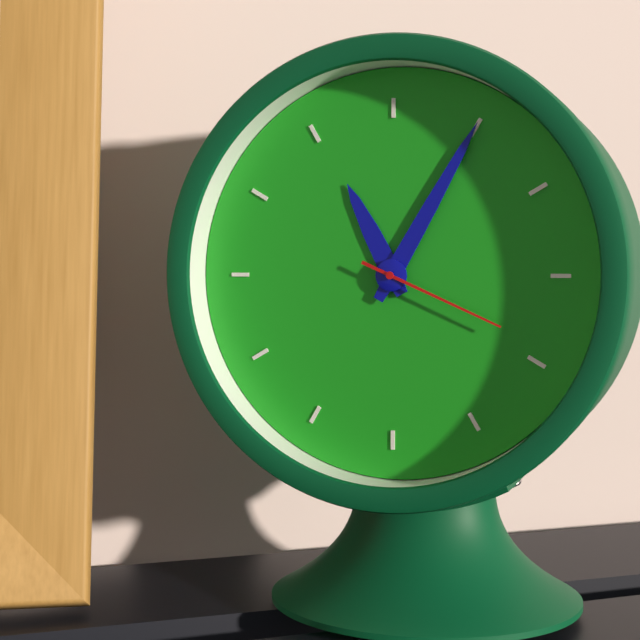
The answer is 11:05:19
